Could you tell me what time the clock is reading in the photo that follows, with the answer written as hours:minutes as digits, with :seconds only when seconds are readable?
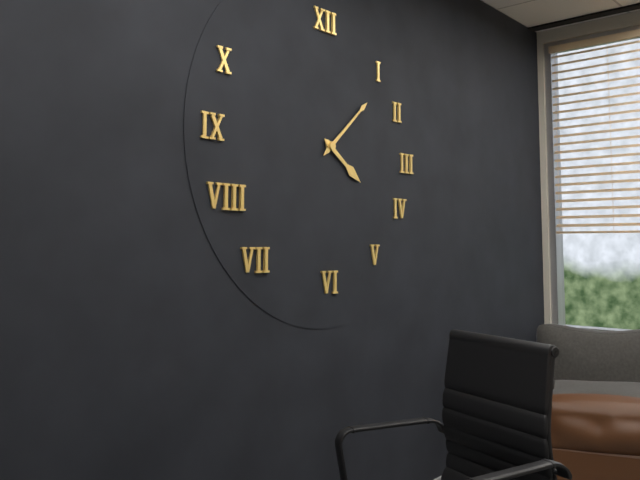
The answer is 4:08
